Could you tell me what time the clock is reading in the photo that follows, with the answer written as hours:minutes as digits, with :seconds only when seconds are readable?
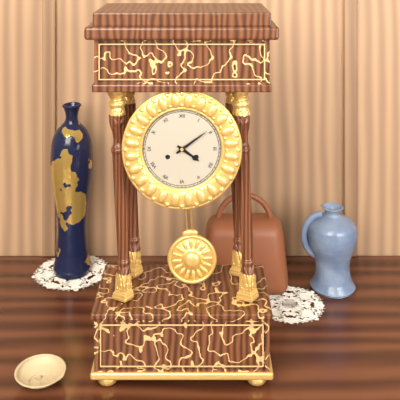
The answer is 4:09
